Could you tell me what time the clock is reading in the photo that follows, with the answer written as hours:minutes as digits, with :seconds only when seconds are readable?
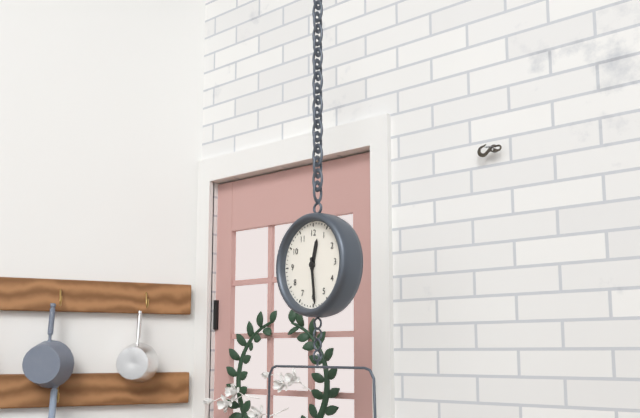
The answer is 12:29
